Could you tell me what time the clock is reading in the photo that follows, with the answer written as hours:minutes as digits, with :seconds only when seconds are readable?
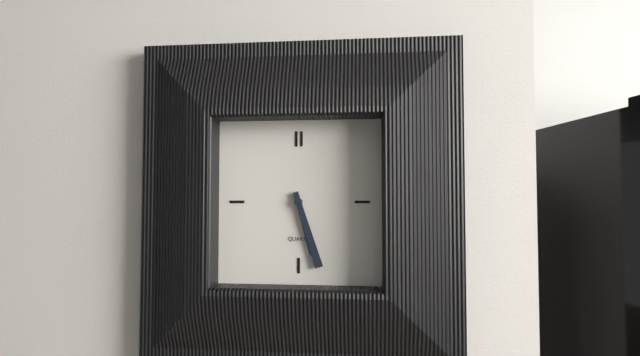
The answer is 5:27
